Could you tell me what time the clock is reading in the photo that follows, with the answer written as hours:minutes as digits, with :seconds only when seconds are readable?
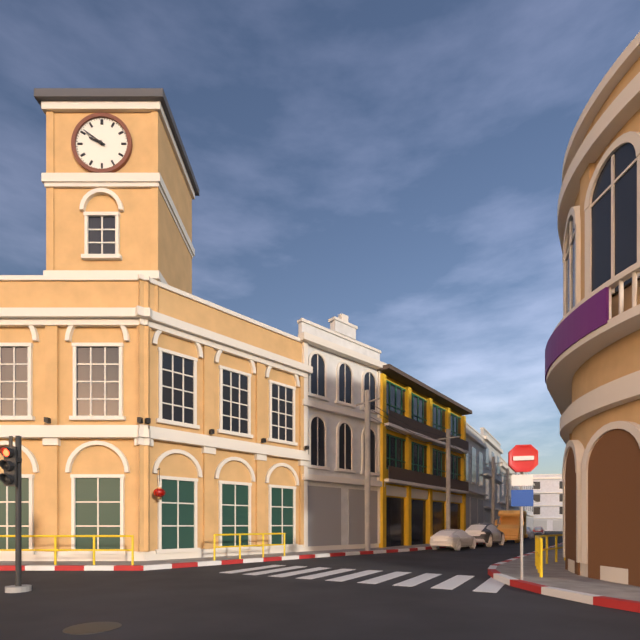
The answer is 9:51
